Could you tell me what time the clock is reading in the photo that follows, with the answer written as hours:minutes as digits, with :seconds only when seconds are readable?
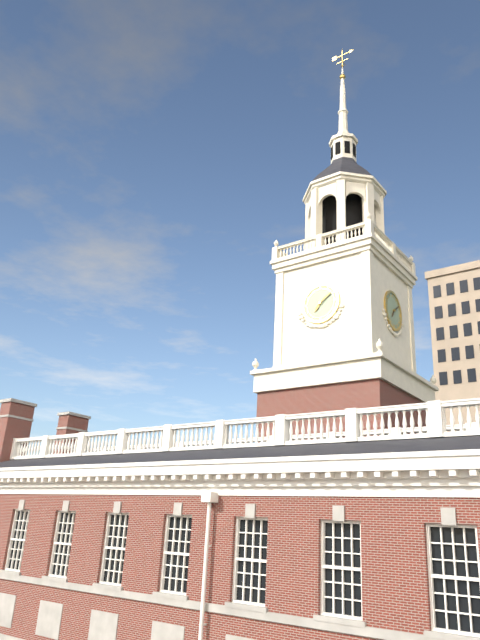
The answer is 7:09
